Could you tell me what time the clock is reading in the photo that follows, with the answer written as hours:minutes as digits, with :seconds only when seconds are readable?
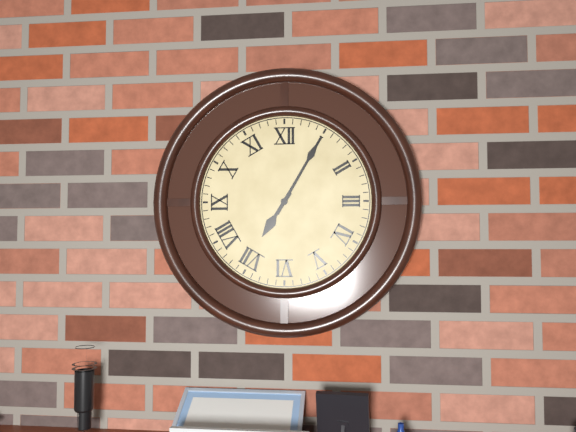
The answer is 7:05
